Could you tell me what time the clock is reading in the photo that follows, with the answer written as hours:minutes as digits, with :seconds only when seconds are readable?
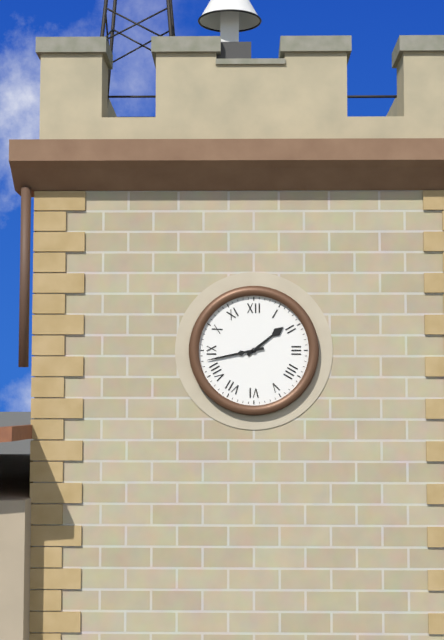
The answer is 1:43
